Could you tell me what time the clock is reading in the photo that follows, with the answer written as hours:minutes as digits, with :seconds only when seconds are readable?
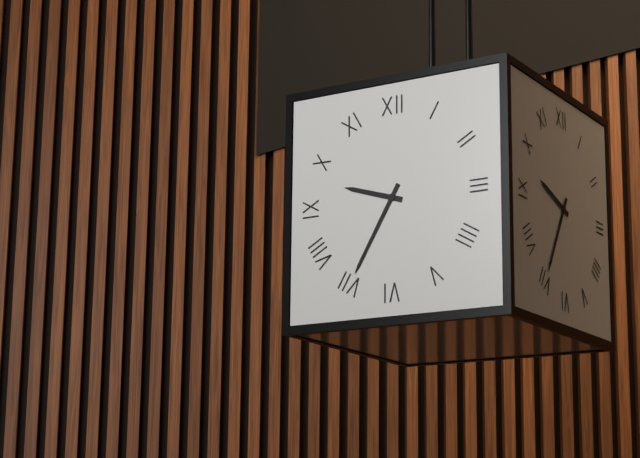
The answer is 9:35
